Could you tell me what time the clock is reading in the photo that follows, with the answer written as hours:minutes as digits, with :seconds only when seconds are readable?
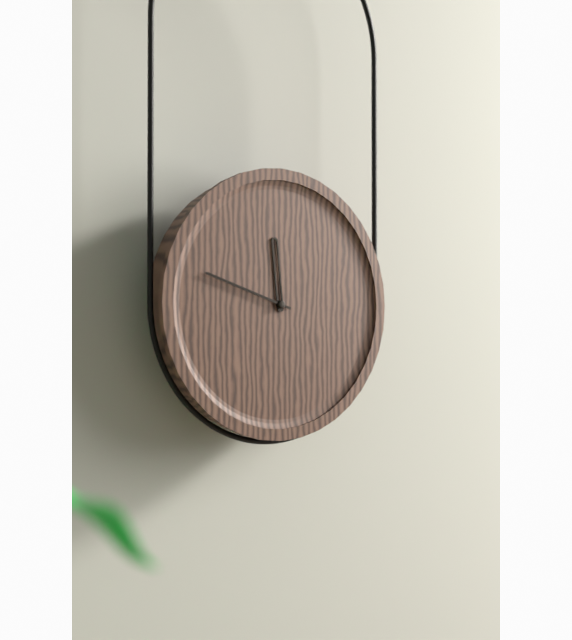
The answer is 11:48
